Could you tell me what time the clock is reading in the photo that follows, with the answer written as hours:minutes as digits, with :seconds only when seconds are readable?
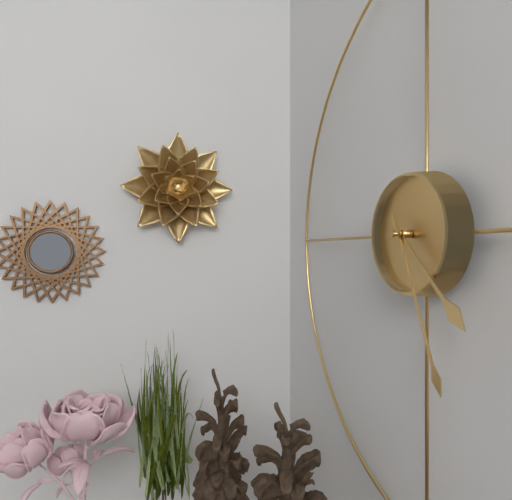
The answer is 4:26
